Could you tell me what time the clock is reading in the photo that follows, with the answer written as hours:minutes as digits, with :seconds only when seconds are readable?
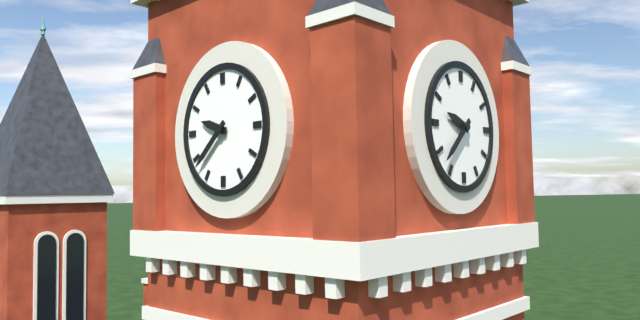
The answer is 9:38
